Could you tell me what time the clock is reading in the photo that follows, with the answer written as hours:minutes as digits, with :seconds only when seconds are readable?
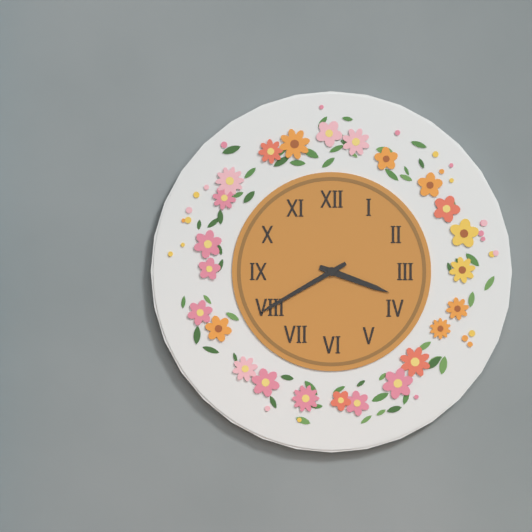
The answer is 3:40
